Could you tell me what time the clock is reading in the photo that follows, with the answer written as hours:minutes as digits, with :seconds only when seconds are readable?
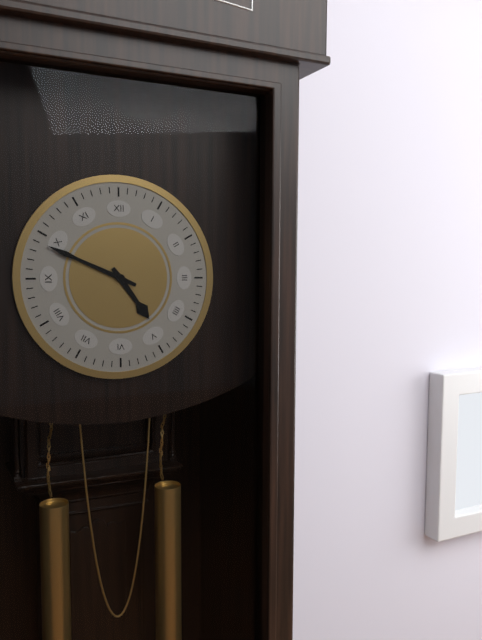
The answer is 4:49
